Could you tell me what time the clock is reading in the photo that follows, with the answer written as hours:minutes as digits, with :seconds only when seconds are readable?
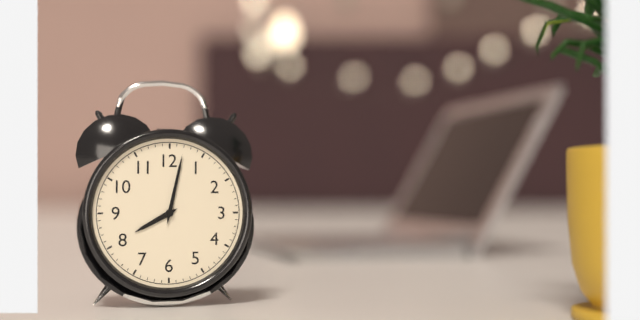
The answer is 8:02
